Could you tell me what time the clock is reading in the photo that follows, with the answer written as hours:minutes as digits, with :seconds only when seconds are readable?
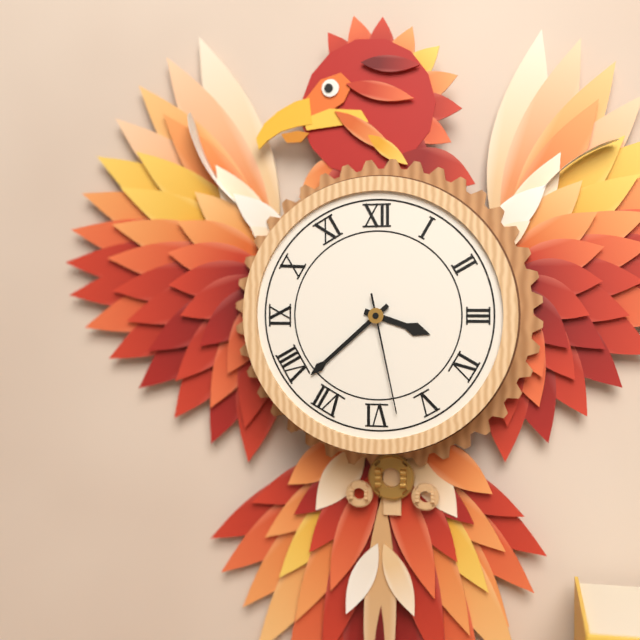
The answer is 3:38:28
